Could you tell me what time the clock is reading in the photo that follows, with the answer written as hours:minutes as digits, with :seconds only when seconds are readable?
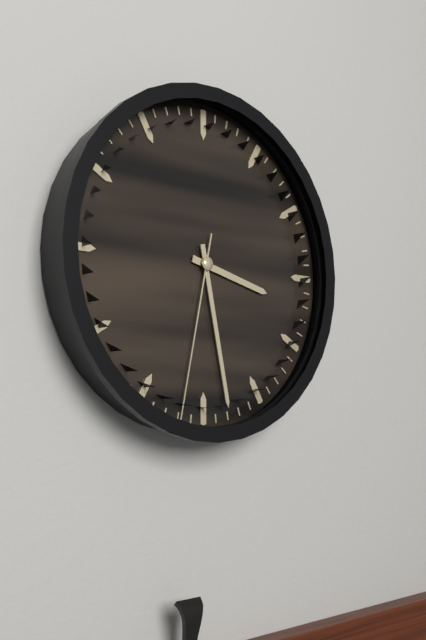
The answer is 3:28:32
